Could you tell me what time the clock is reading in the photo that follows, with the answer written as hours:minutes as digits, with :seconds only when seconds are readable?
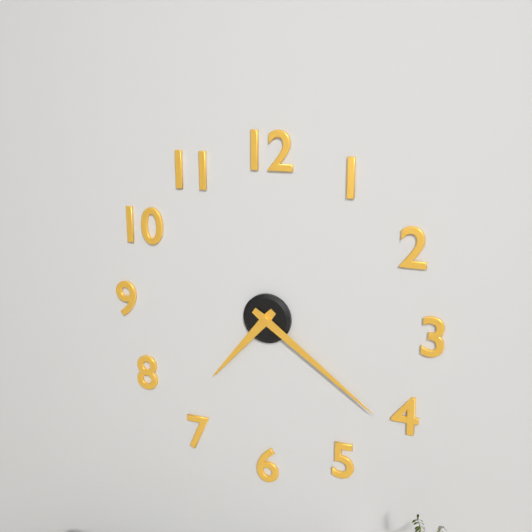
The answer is 7:21
